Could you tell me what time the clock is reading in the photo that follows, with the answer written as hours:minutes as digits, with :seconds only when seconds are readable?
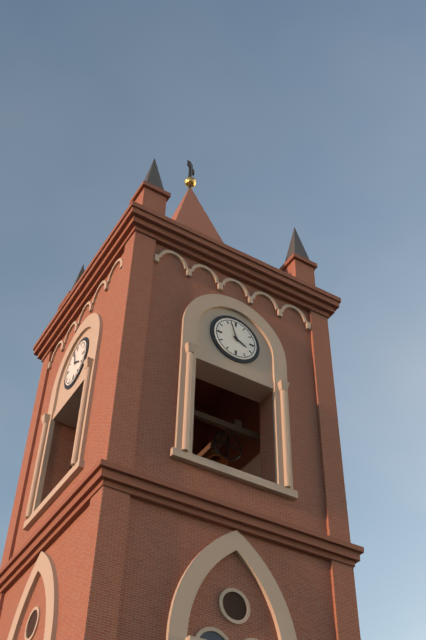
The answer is 3:57
